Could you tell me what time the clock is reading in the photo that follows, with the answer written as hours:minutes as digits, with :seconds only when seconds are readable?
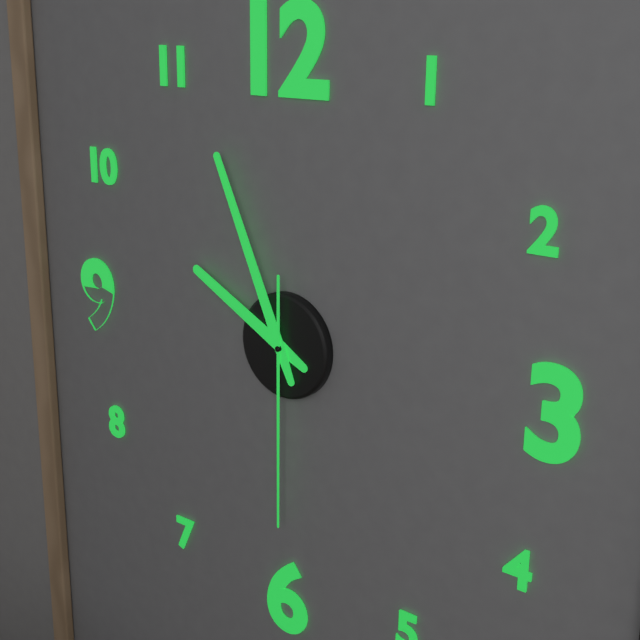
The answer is 9:56:30
